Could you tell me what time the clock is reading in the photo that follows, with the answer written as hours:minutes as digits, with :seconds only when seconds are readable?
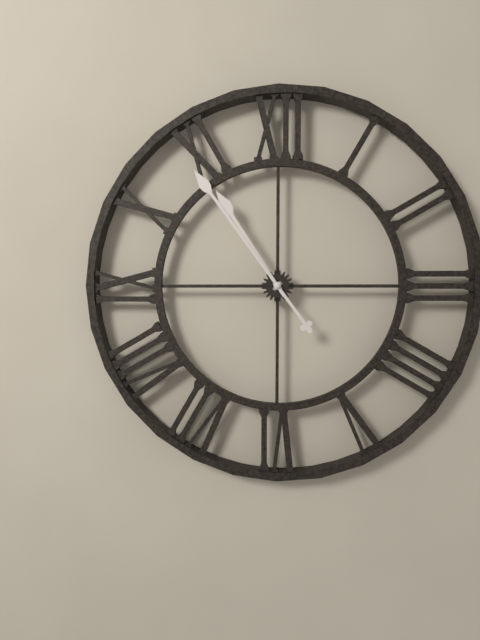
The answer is 10:54
